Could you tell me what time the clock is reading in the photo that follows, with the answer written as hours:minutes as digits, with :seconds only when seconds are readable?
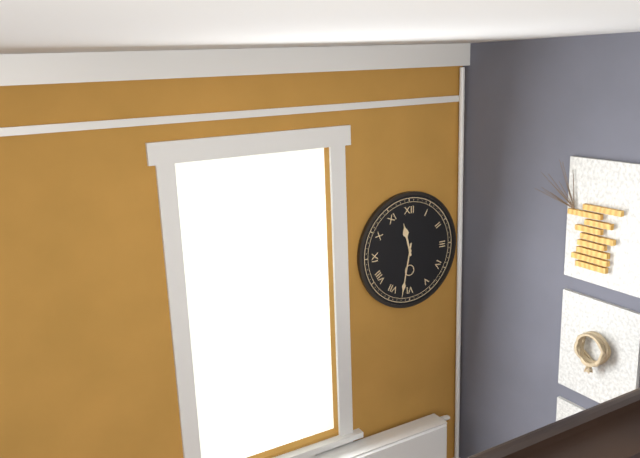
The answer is 11:32
